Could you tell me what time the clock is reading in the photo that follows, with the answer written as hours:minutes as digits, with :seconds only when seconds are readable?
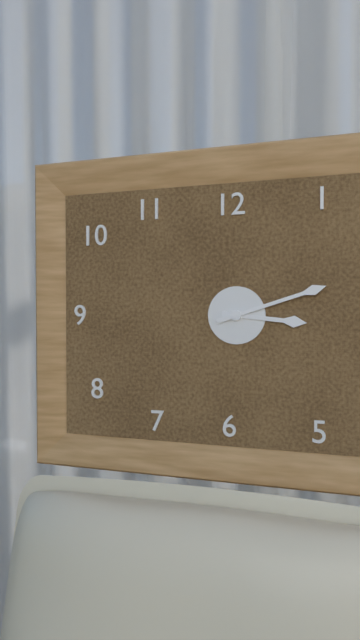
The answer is 3:12
